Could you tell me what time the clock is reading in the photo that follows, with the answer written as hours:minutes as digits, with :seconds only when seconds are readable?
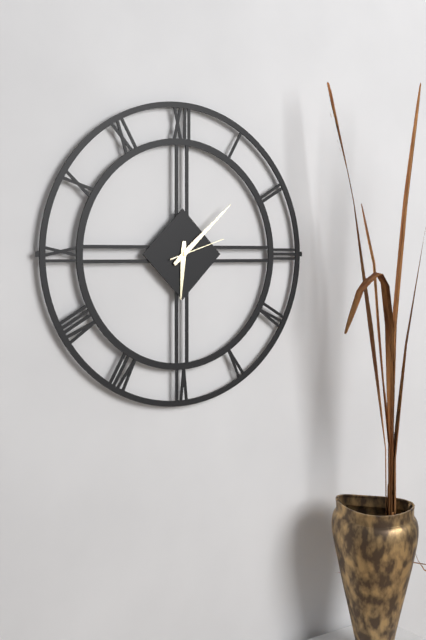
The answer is 6:08:12
